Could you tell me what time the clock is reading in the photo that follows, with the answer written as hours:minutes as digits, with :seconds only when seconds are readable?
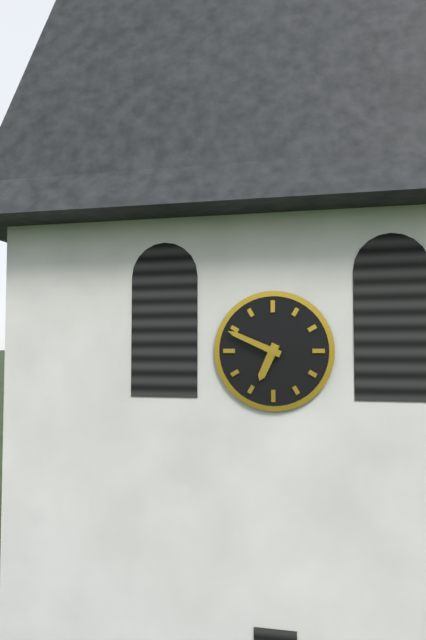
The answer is 6:49
